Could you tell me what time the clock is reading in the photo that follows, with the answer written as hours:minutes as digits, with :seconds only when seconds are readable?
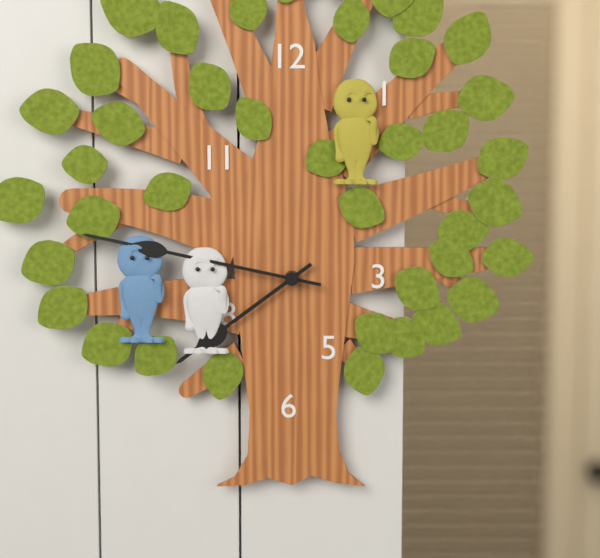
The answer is 7:47
